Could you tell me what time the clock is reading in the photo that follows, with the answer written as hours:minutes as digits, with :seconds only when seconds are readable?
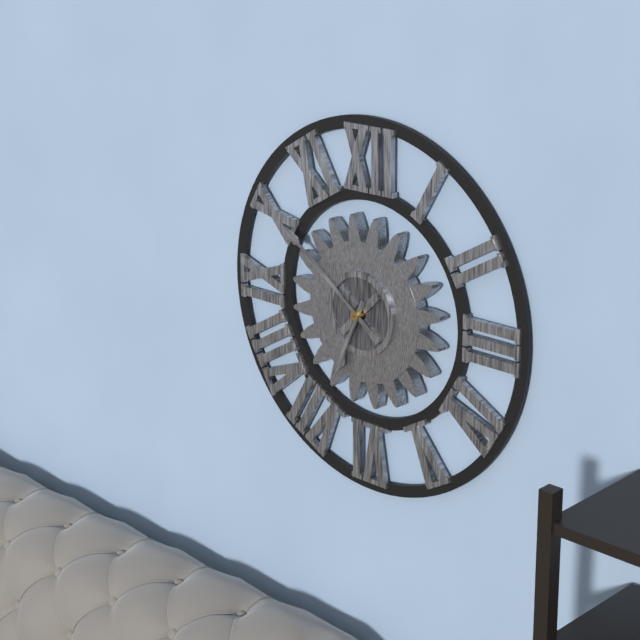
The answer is 6:51
